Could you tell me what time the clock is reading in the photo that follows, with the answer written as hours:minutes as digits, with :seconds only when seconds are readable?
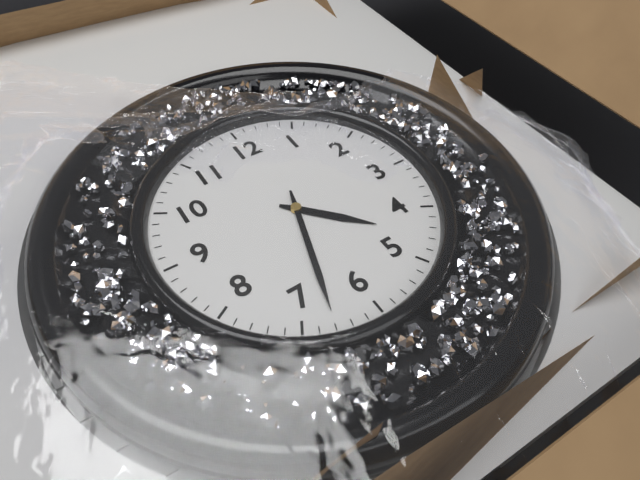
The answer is 4:33
